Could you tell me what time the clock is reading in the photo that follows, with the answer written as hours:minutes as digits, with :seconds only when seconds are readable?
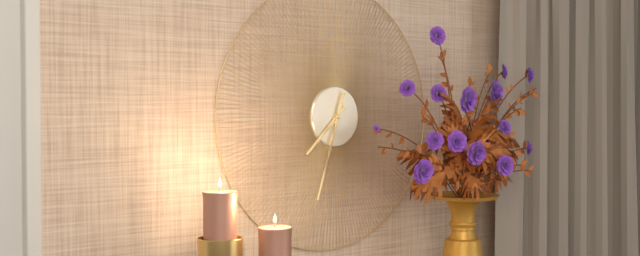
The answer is 7:33
